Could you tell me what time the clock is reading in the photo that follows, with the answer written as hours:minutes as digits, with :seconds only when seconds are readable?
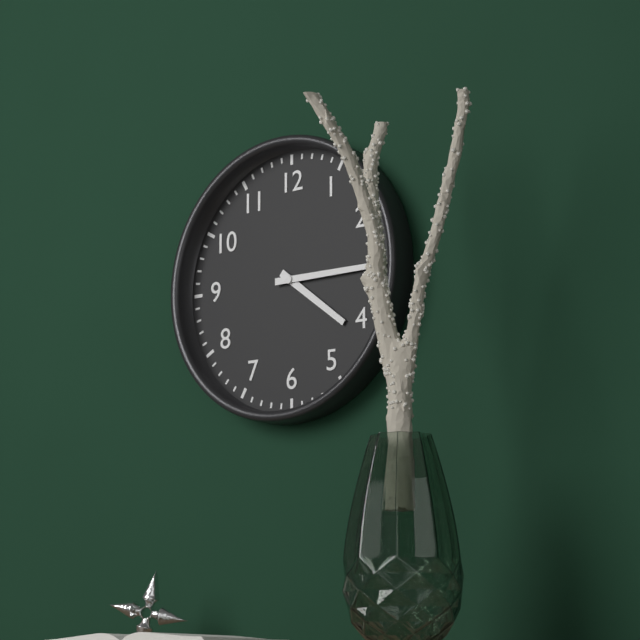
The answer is 4:15
